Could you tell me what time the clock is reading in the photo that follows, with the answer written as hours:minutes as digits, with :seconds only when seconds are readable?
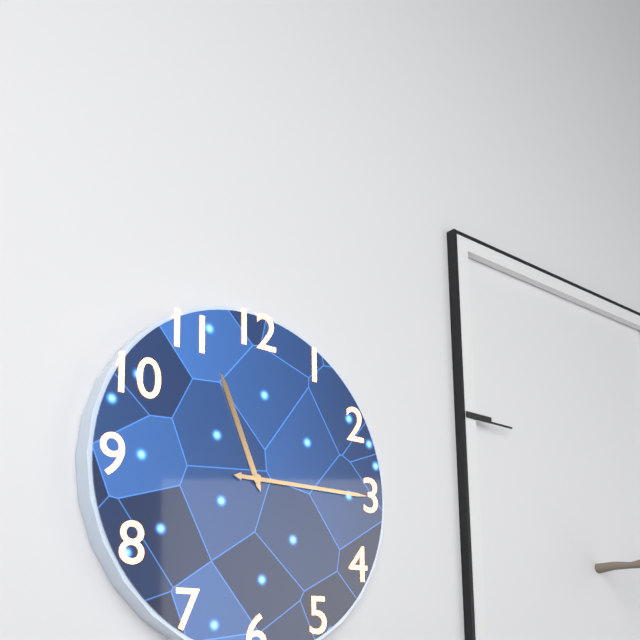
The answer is 11:15
